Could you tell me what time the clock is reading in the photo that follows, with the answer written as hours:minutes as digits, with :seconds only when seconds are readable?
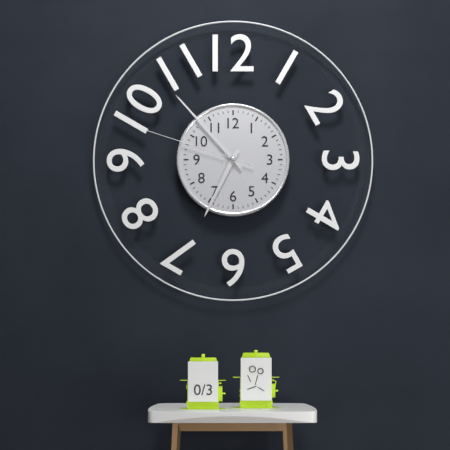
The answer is 6:53:48
